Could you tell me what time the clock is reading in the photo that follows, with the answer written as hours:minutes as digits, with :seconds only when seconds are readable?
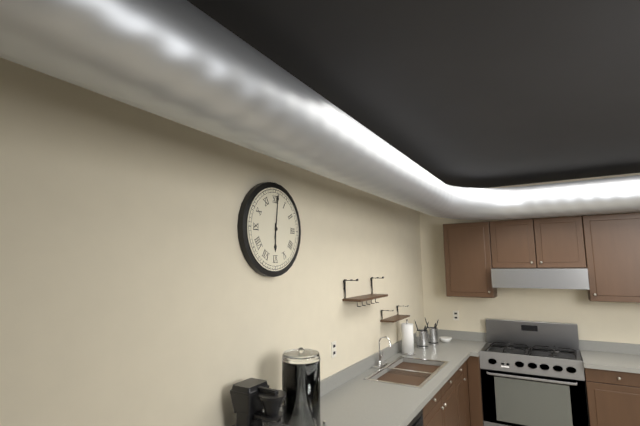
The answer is 6:01
